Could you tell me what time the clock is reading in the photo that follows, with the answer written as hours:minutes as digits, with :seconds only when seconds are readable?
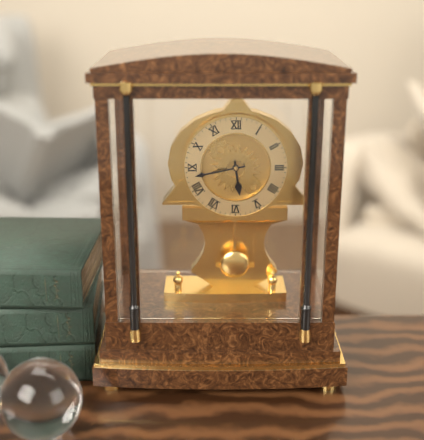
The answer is 5:43
